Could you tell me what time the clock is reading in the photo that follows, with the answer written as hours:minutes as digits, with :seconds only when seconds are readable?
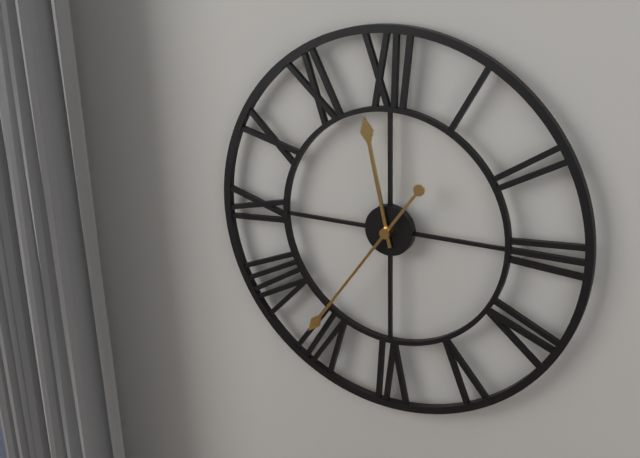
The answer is 11:36
